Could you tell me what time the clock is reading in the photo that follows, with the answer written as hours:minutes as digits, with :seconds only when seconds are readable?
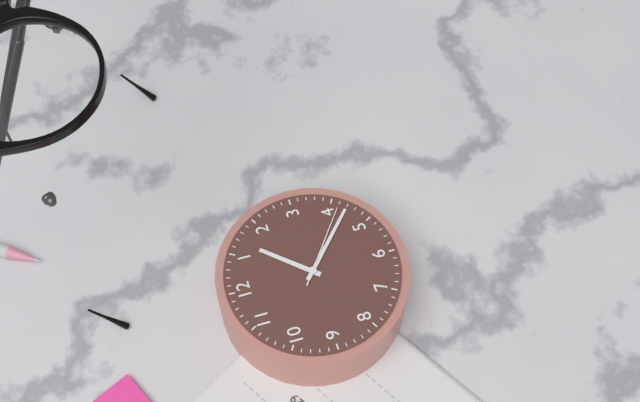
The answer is 1:22:21
